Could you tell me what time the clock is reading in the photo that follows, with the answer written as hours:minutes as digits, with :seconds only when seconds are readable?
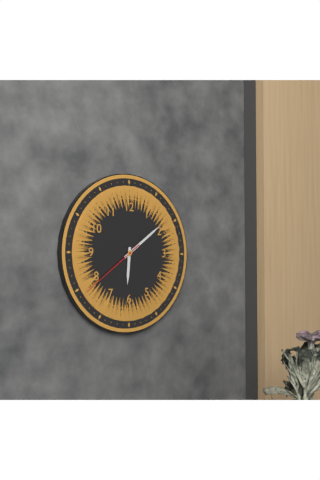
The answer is 6:09:39
